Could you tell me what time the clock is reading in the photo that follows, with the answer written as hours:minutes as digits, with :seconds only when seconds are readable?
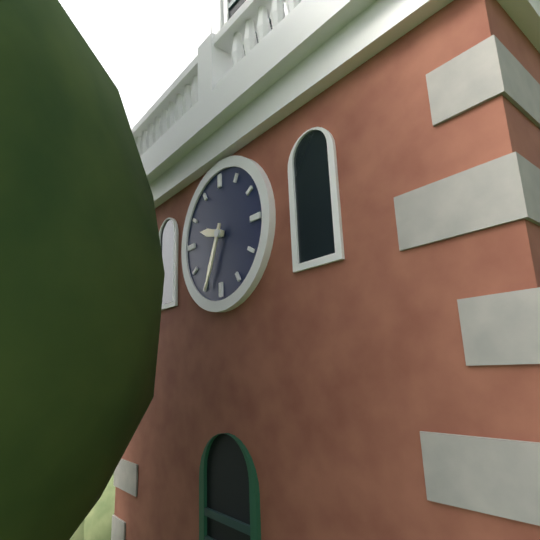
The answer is 9:34
